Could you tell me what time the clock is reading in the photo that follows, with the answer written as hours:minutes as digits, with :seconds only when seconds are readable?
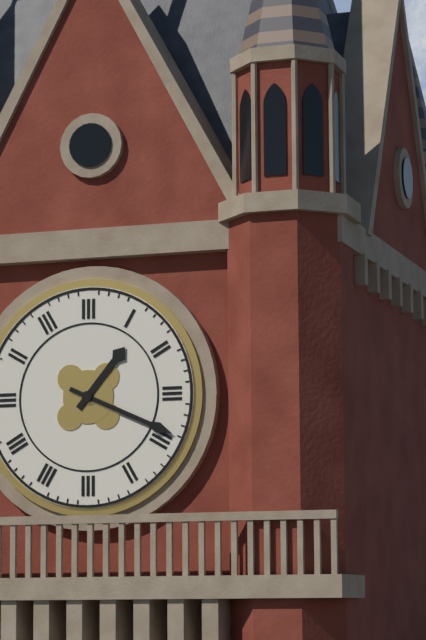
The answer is 1:19
